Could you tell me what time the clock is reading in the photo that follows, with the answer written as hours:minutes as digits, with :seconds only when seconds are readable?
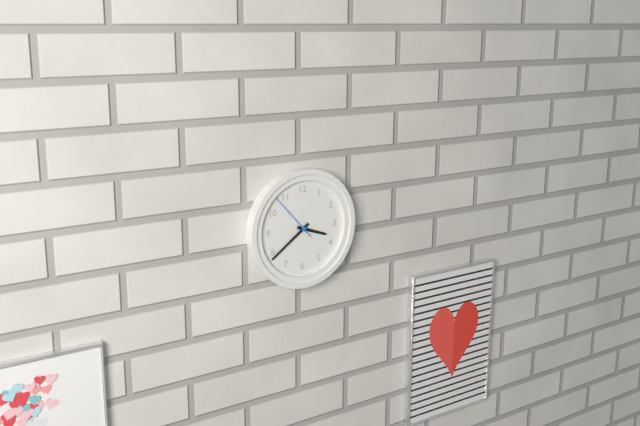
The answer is 3:39:53
